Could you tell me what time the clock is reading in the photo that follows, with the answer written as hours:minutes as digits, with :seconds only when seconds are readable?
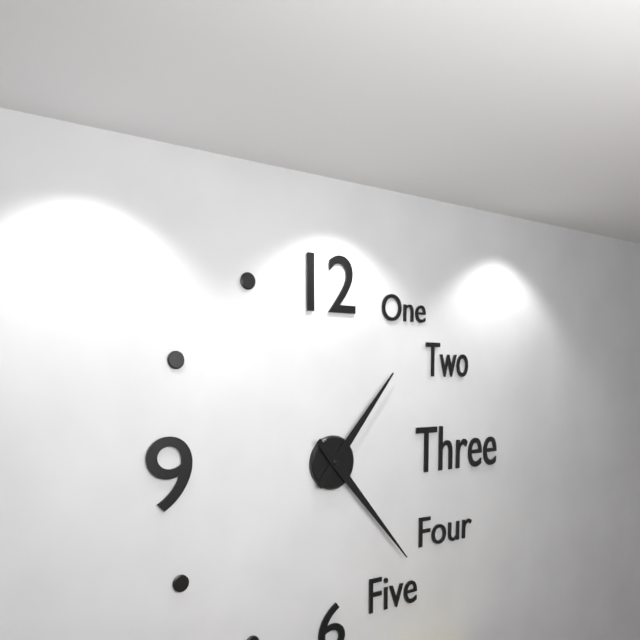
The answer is 1:23
